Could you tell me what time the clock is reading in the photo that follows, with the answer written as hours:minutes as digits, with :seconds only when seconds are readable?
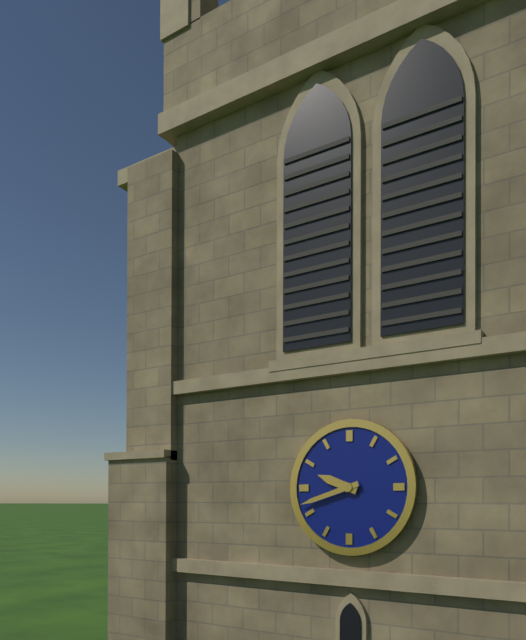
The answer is 9:42
